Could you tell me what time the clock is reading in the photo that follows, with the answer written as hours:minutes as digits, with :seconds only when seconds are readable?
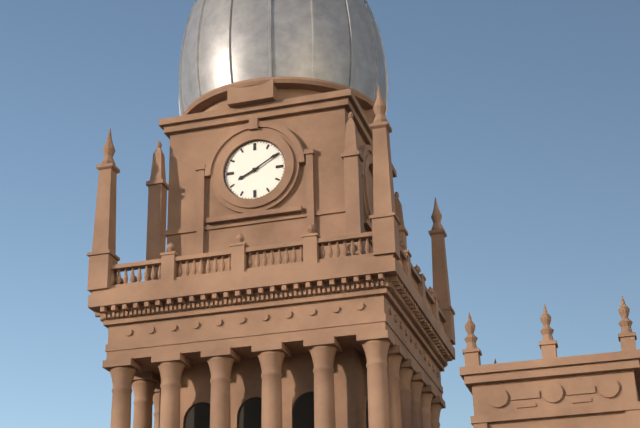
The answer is 8:10
